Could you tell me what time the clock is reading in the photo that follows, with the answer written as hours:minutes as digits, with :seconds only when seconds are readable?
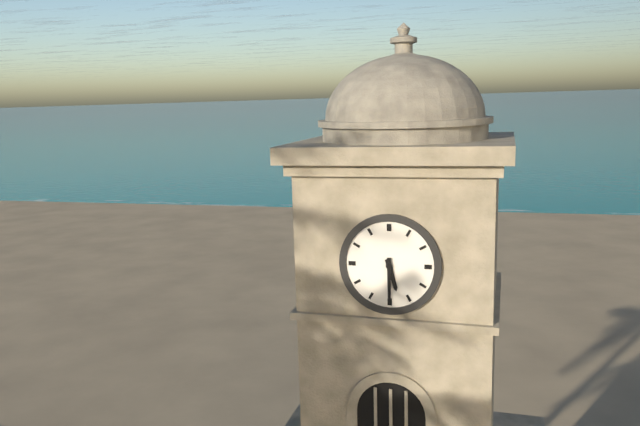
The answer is 5:30
